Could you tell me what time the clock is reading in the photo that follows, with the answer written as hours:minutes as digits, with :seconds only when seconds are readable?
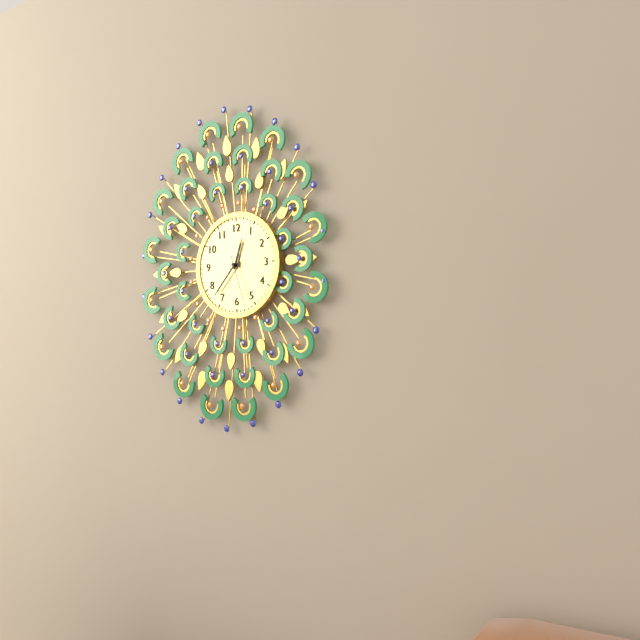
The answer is 12:37
